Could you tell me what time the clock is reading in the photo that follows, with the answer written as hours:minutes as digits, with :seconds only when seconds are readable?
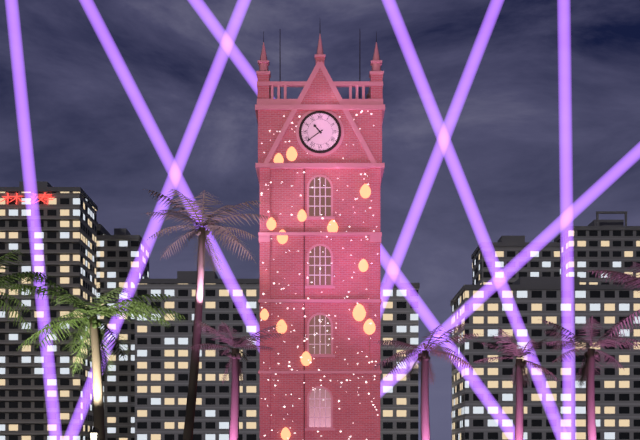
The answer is 10:39
